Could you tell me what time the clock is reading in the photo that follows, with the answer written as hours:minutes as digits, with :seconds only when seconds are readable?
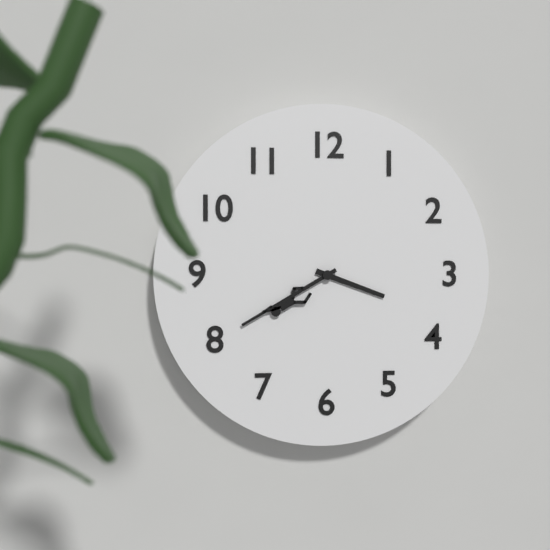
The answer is 3:40
